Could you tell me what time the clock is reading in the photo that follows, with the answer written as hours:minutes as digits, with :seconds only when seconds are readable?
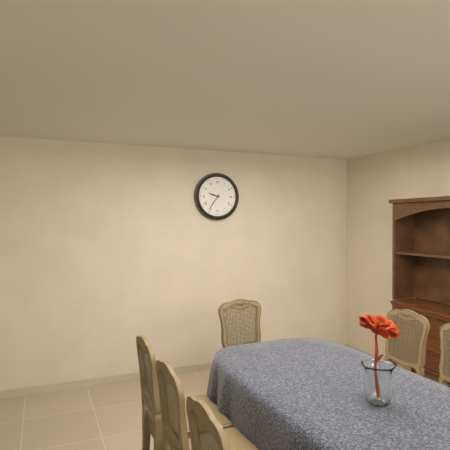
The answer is 9:36
